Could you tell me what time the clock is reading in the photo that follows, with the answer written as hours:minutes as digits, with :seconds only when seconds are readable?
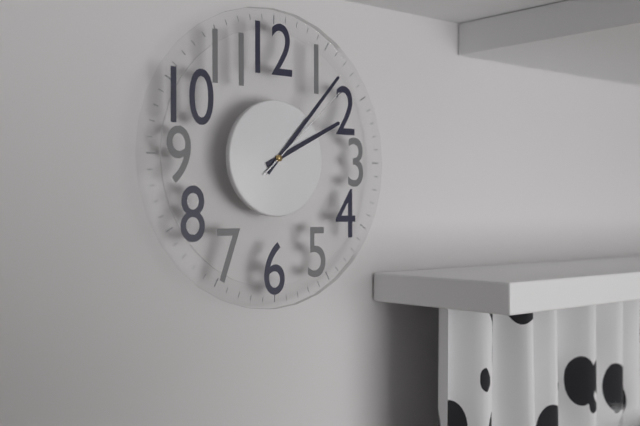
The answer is 2:07:08
